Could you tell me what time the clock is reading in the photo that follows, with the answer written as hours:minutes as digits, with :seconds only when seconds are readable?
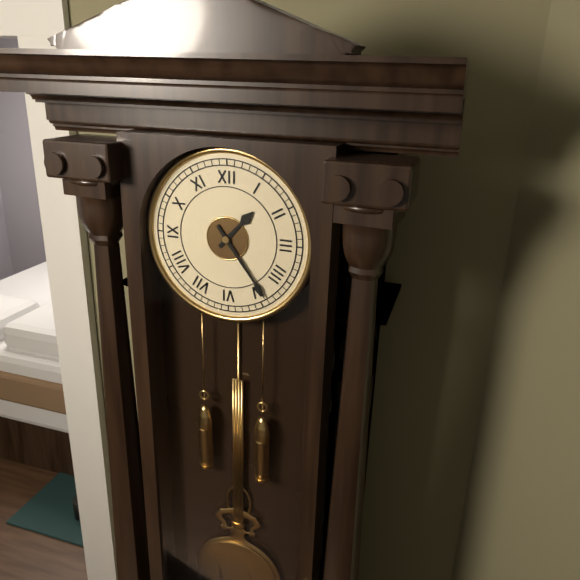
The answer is 1:24
